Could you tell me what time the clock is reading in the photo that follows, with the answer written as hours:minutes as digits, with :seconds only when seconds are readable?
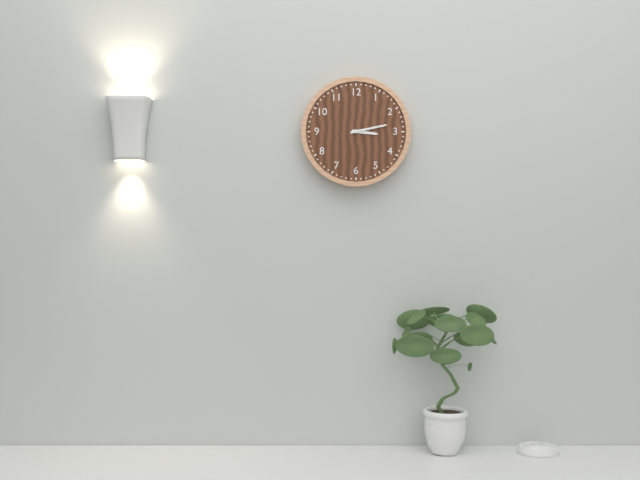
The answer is 3:13
